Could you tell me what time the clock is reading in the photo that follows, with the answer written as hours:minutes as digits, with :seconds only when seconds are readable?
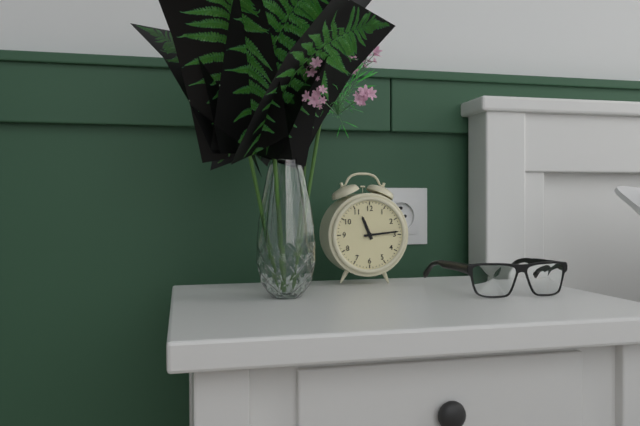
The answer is 11:14
